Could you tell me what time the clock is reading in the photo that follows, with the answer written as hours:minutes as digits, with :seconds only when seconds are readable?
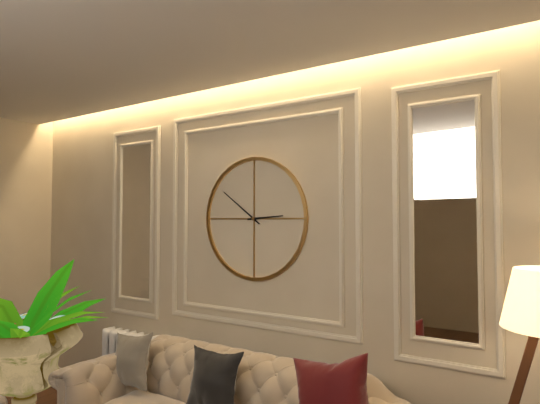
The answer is 2:51
